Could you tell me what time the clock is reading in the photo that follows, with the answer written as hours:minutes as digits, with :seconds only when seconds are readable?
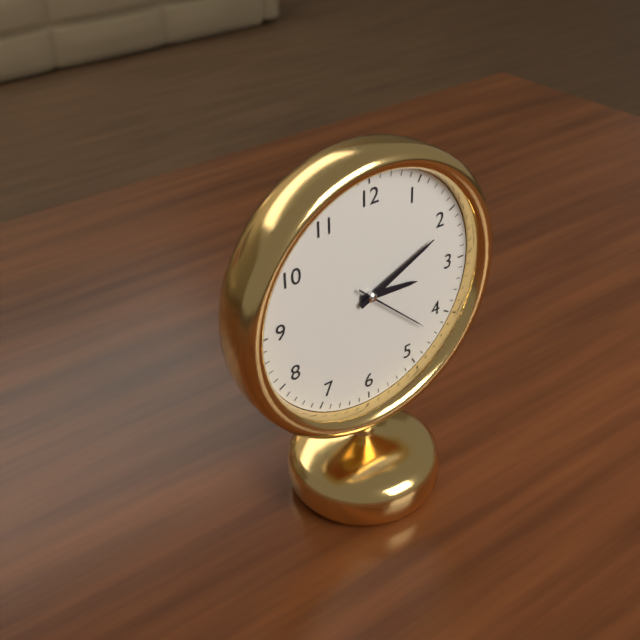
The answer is 3:11:22
